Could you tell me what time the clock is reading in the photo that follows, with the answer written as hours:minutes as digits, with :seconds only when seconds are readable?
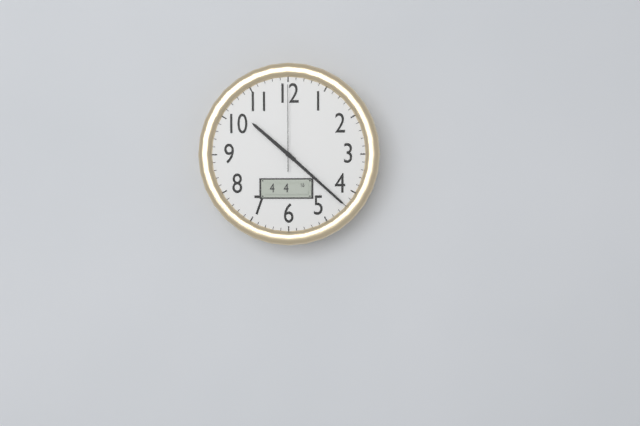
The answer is 10:22:00
